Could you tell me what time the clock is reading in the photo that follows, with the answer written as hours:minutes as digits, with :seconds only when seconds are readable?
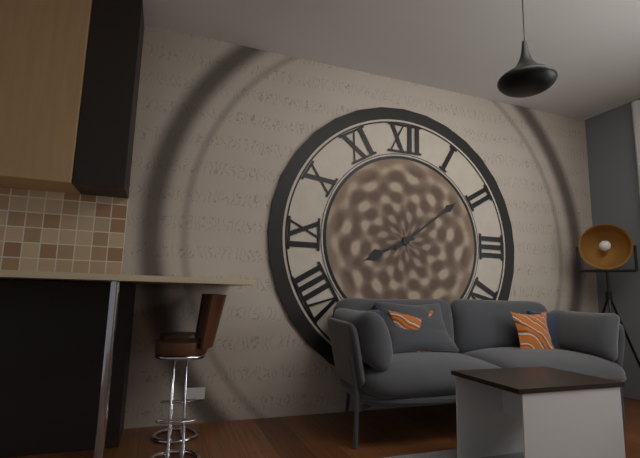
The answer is 8:09
